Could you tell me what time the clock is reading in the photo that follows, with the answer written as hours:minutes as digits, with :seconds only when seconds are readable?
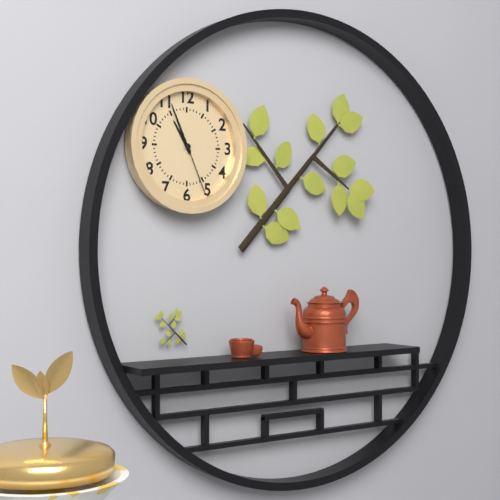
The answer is 10:56:26
